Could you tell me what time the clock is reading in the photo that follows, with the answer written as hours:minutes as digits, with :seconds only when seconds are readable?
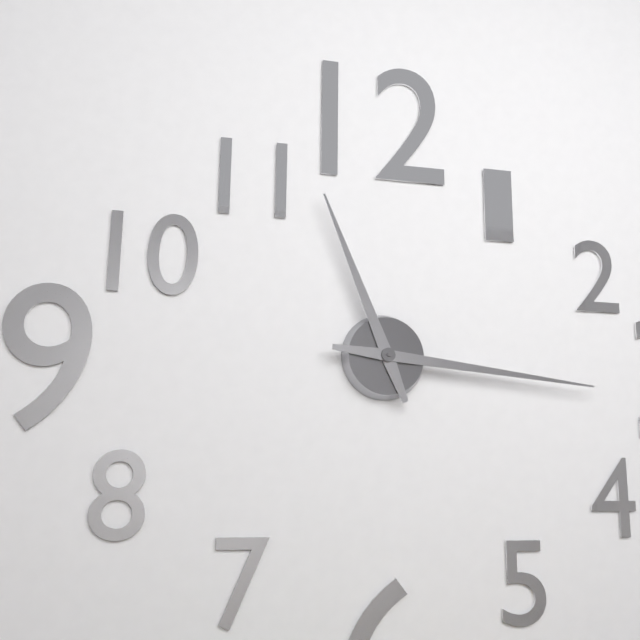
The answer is 11:16
